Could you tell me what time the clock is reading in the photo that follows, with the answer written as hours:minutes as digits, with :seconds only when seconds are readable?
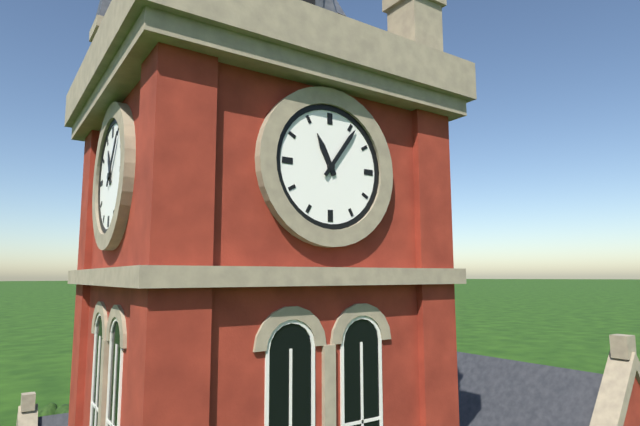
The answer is 11:06
